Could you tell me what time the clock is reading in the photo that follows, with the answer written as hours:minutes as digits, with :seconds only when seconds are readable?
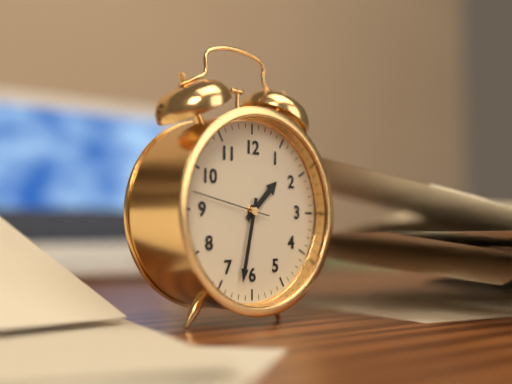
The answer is 1:32:47
